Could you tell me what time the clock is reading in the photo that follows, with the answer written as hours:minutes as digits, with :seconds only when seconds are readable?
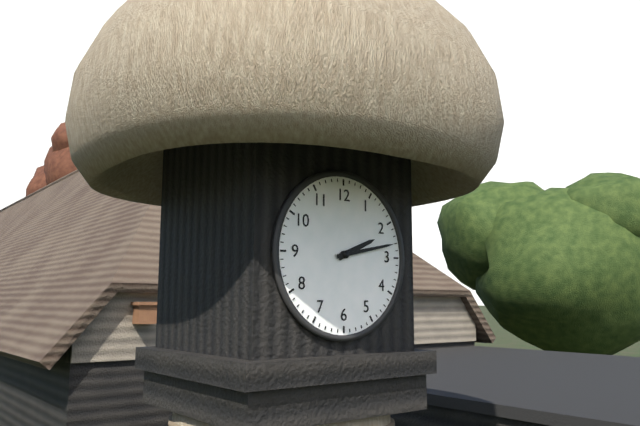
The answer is 2:13
